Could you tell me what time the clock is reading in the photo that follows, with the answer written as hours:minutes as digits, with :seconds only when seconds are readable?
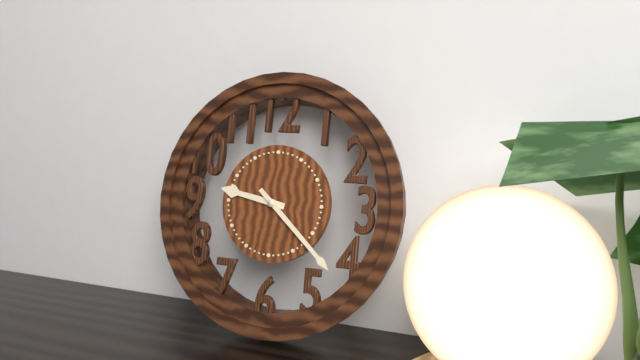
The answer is 9:22
